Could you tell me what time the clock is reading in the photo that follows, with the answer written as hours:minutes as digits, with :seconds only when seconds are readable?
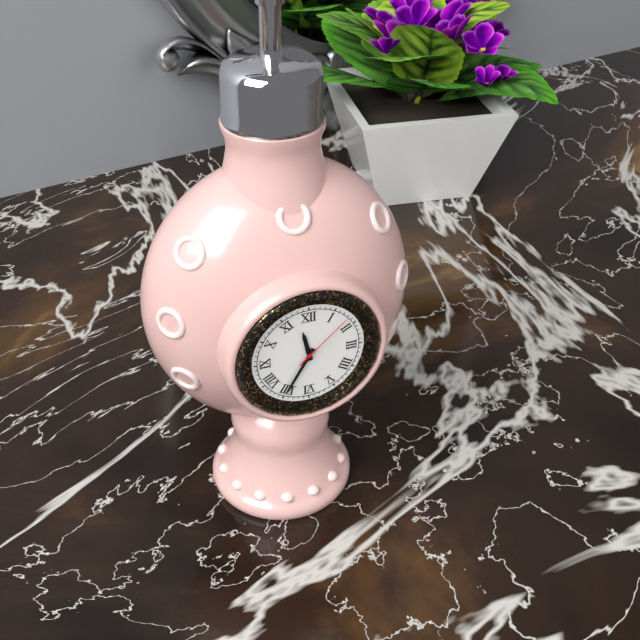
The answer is 11:35:08
